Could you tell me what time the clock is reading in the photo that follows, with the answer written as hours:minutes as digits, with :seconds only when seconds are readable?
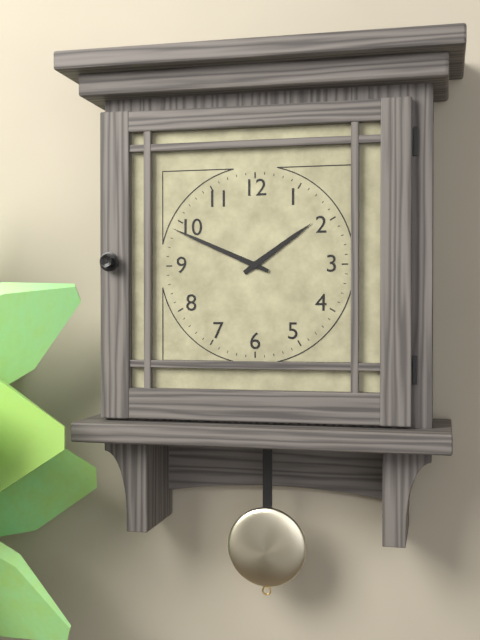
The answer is 1:49
